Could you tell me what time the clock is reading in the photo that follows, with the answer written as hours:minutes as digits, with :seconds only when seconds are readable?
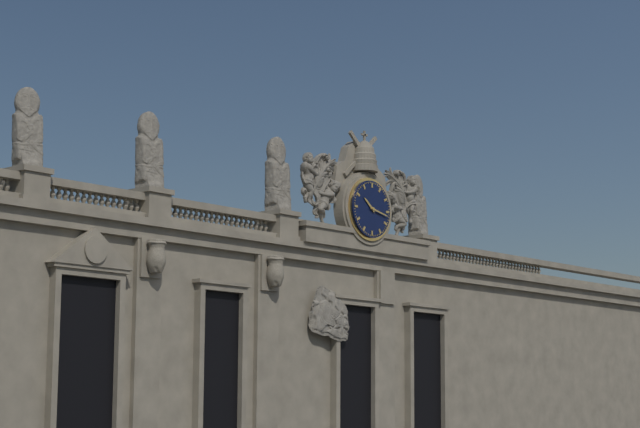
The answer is 10:17
